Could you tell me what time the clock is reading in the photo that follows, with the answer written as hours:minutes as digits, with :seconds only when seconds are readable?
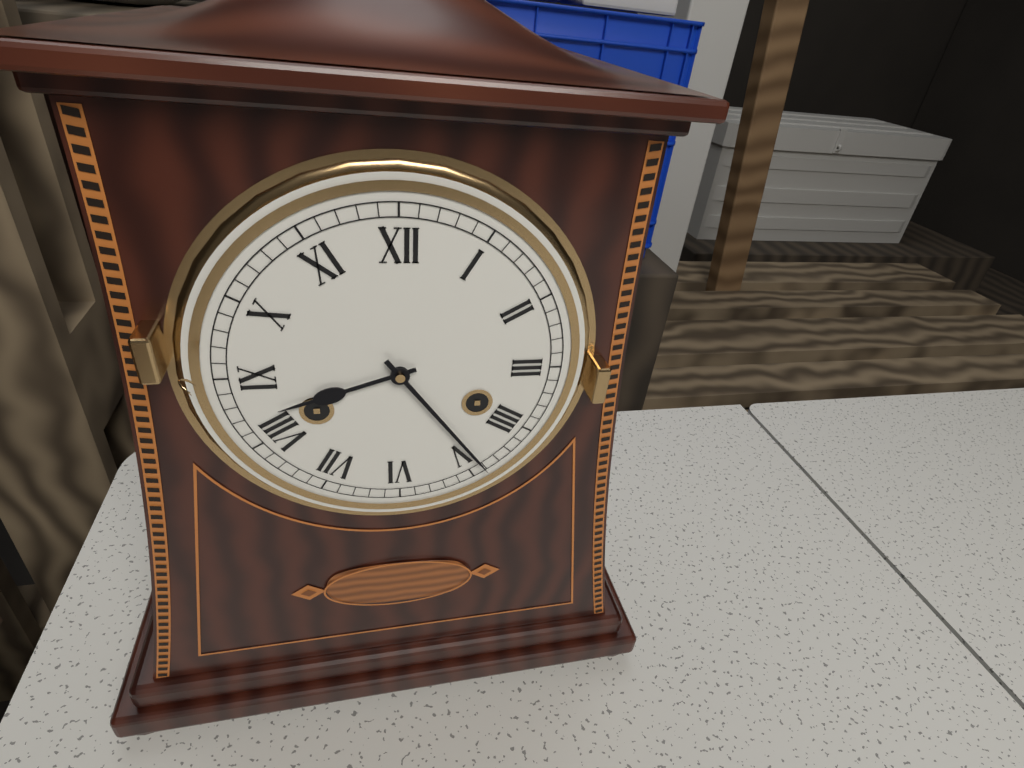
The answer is 8:24
